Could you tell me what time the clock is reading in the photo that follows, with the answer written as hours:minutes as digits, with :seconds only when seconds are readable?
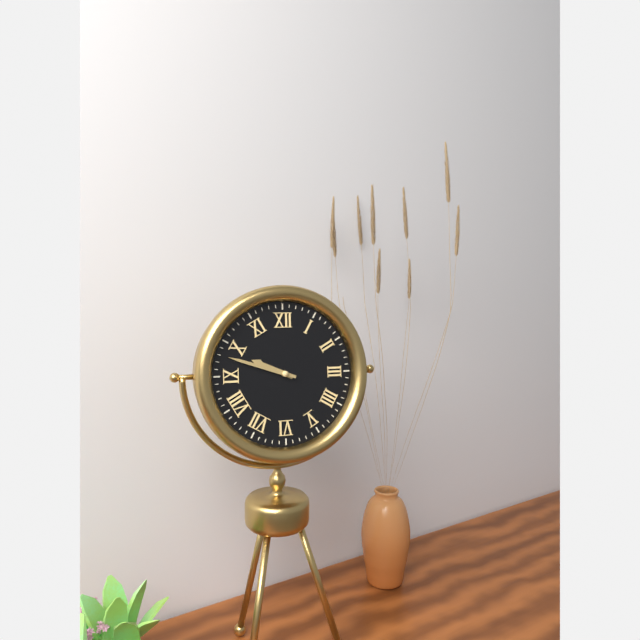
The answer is 9:48
